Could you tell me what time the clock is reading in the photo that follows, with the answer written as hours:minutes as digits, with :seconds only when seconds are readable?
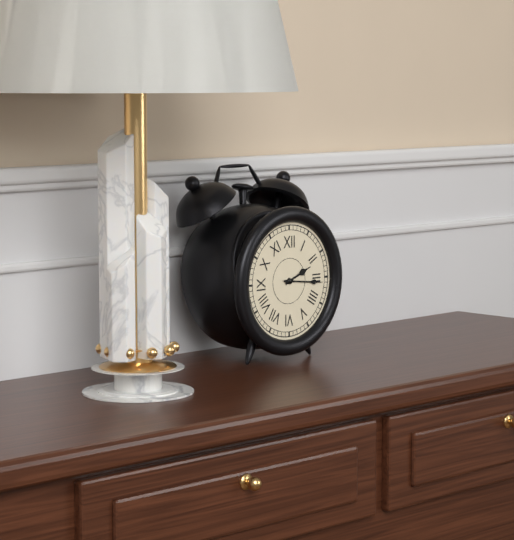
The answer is 2:16
